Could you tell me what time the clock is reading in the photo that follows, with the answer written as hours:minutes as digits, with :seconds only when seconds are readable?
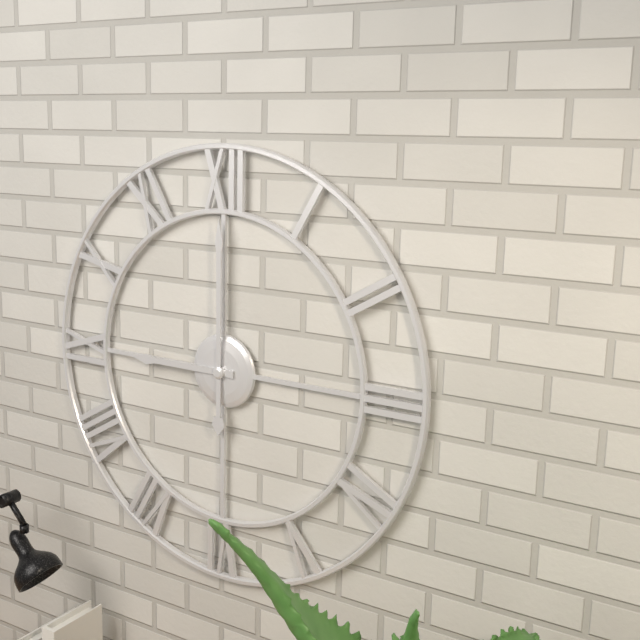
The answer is 9:00
